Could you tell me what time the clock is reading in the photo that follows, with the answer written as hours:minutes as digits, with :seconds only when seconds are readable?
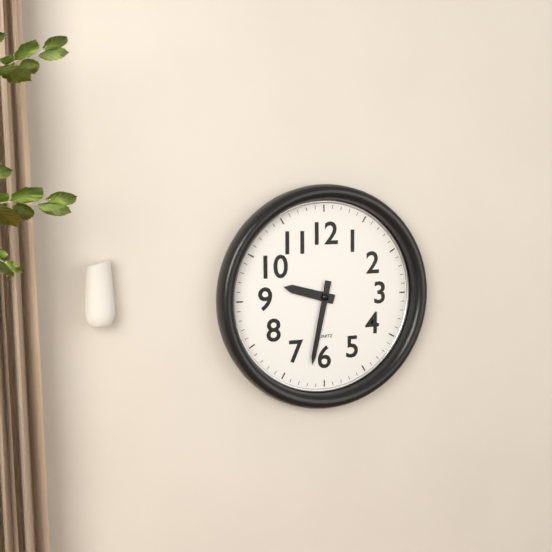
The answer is 9:32
